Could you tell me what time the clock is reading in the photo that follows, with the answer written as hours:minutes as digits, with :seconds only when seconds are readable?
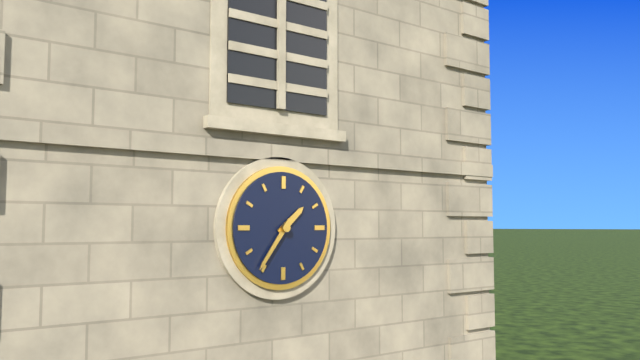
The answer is 1:36
